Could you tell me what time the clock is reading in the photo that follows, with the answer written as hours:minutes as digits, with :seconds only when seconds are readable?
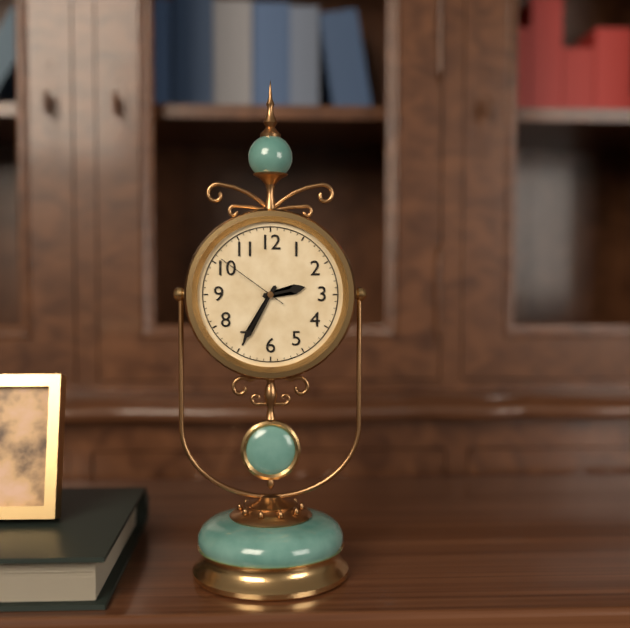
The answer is 2:35:51
